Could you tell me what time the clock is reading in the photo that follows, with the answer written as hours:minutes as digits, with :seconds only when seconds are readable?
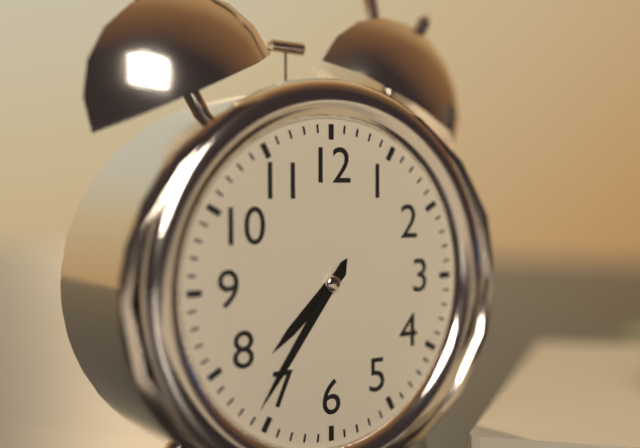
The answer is 7:36
